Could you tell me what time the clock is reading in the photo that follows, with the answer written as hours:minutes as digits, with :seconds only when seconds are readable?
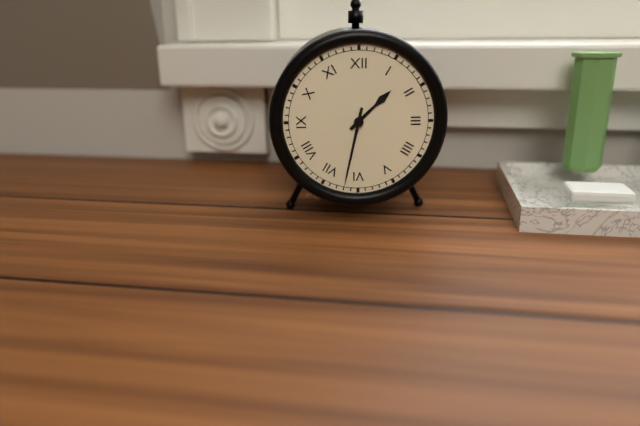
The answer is 1:32
